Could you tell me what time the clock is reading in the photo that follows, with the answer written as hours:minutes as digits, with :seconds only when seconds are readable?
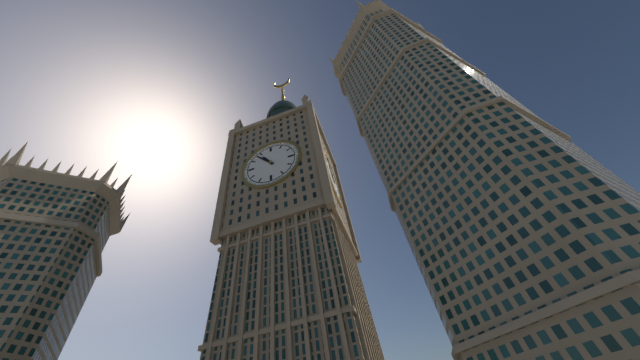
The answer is 10:53
